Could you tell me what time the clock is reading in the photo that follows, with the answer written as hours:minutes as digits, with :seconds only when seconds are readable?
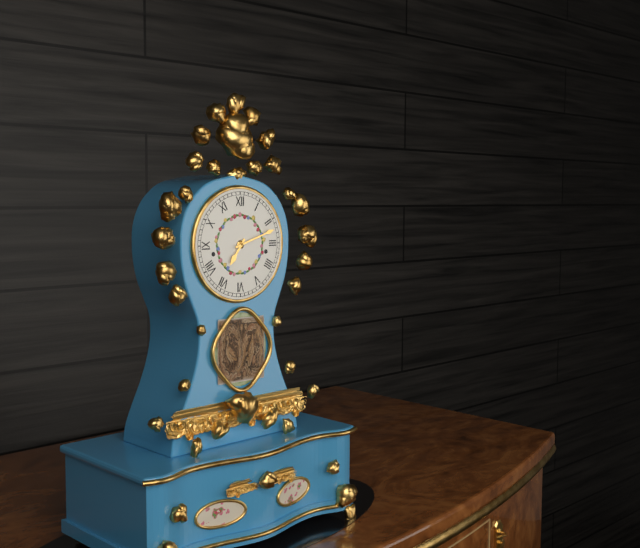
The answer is 7:12
